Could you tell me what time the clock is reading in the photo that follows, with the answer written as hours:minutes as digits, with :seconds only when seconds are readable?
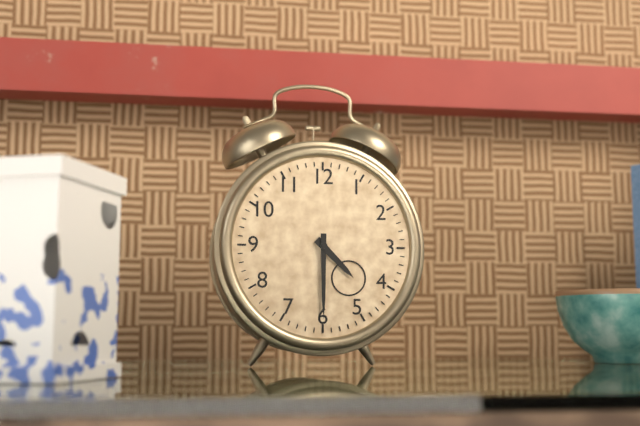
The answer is 4:30
